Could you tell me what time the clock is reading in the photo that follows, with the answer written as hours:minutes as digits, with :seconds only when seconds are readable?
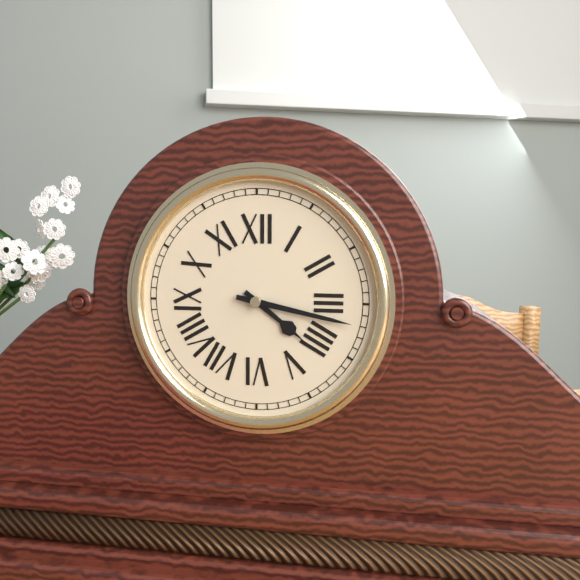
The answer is 4:17
